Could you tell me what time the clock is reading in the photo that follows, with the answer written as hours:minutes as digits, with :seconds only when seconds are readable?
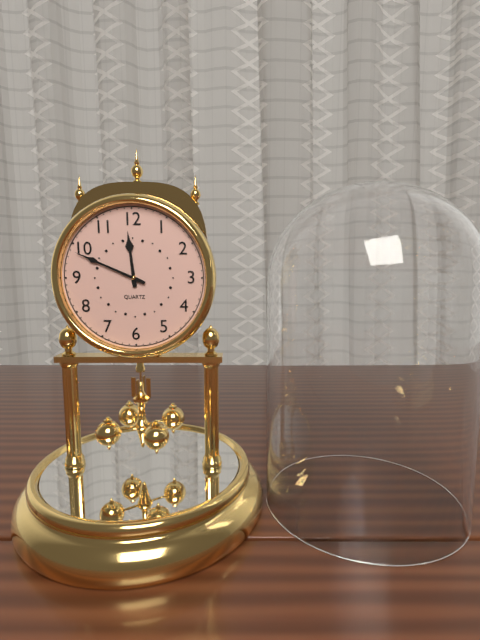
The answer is 11:49
